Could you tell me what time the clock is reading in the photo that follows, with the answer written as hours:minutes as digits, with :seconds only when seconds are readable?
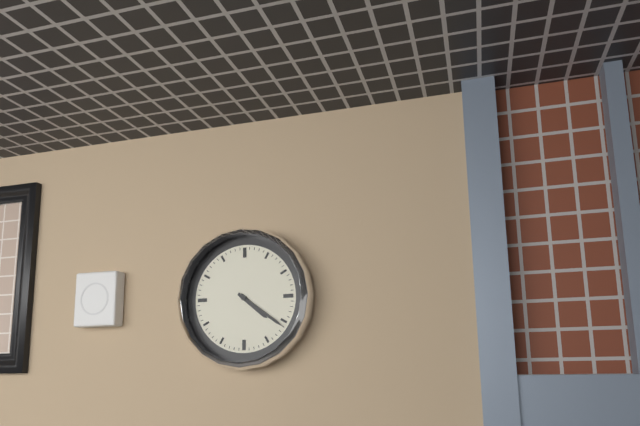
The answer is 4:21
